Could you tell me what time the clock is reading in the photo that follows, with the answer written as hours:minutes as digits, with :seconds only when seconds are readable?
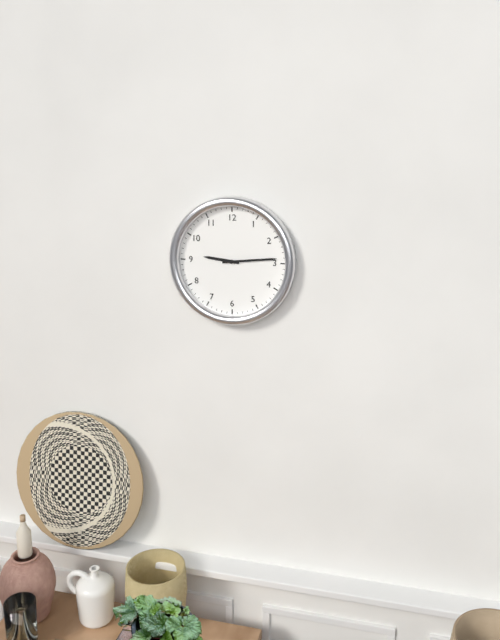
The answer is 9:14
